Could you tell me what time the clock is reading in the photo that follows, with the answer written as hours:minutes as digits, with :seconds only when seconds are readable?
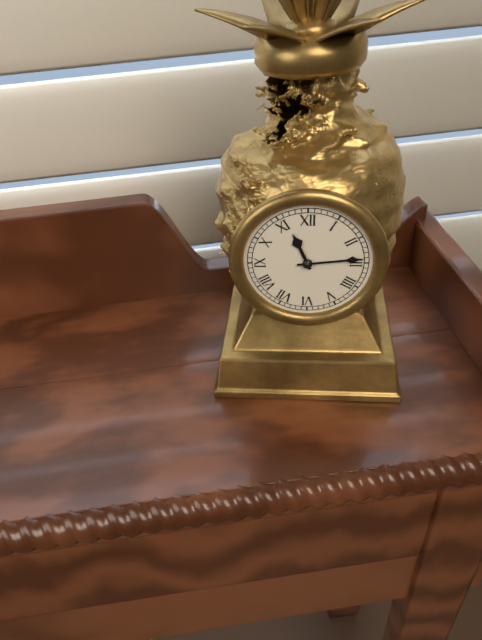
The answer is 11:14
